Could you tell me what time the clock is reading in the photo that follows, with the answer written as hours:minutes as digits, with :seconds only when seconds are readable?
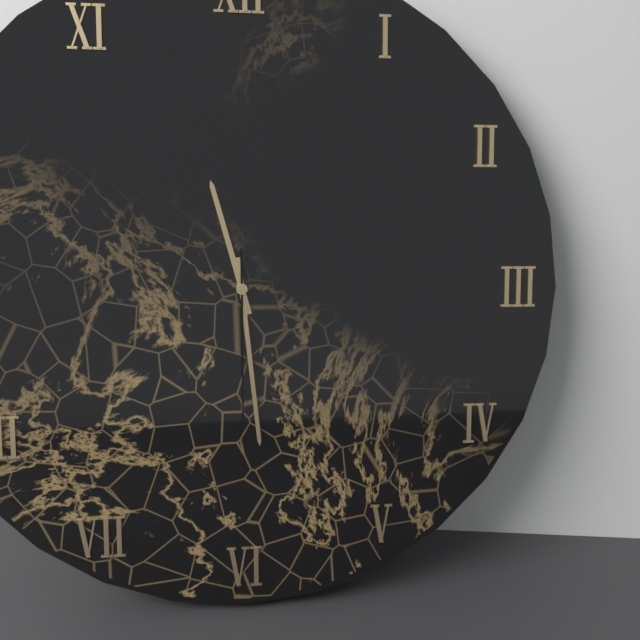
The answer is 11:29:30
